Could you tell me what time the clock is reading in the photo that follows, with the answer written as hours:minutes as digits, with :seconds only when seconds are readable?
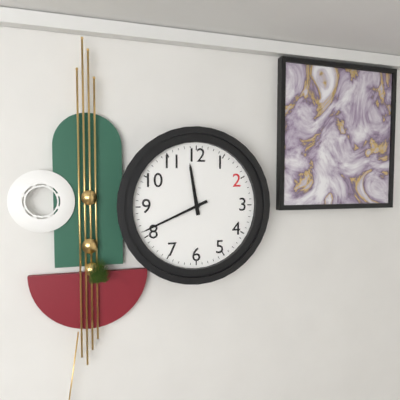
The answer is 11:41
